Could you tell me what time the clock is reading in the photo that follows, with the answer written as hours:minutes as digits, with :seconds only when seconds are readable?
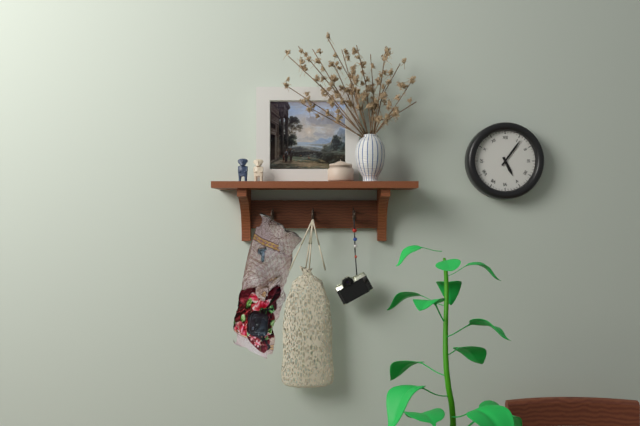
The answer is 5:06
